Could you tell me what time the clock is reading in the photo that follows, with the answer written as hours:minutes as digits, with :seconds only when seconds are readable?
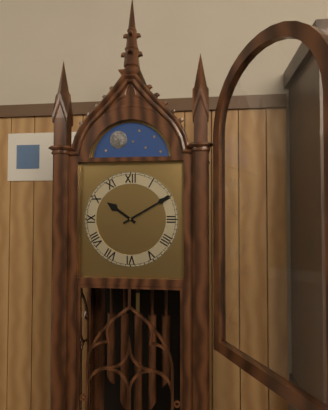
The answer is 10:10
